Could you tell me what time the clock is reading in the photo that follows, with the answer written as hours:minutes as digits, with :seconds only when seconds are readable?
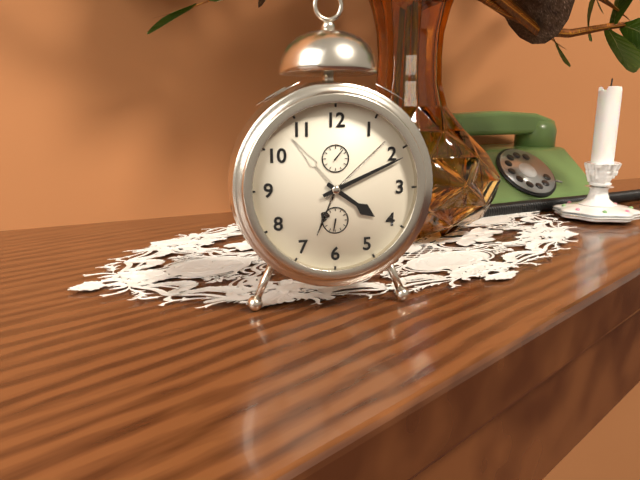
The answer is 4:11
